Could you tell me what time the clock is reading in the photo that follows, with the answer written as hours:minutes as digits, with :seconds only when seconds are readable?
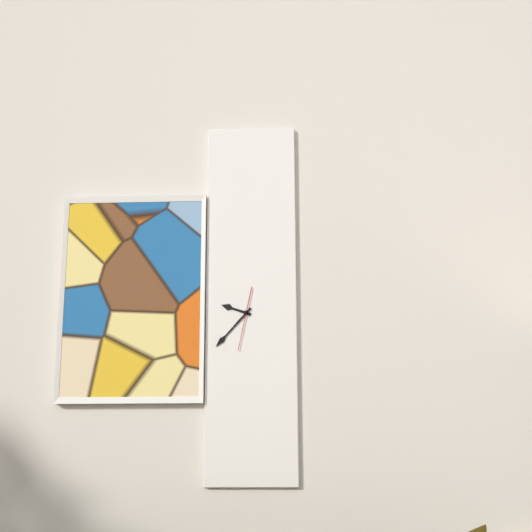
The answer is 9:37
